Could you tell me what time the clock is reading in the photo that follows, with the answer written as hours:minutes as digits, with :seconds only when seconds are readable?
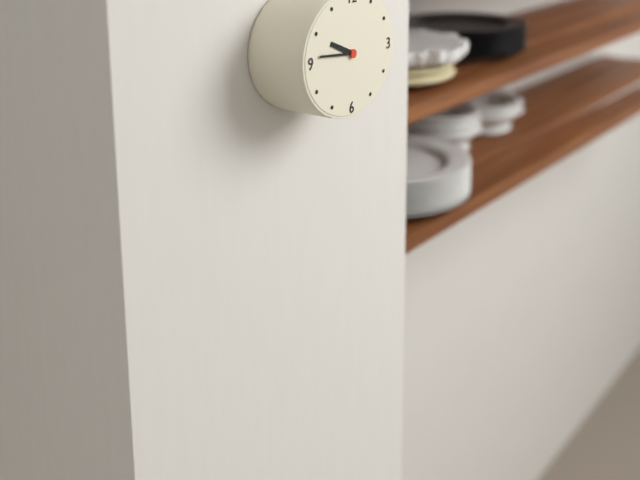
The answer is 9:46
